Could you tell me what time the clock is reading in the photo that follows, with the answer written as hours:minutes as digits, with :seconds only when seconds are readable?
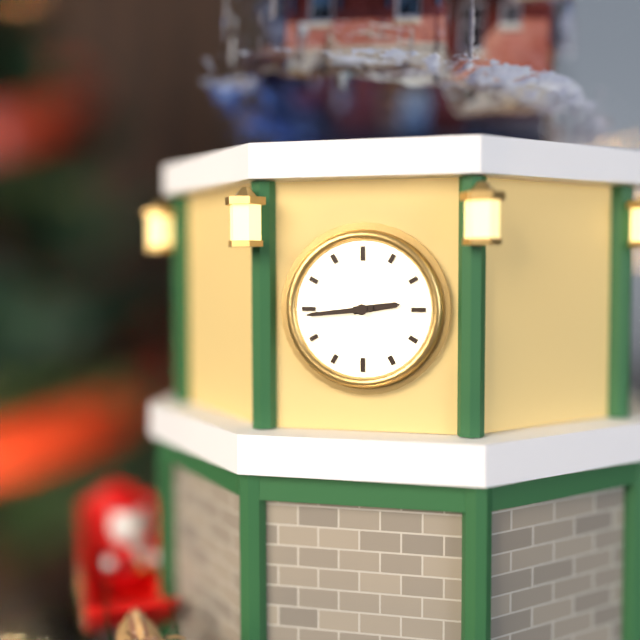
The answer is 2:44
